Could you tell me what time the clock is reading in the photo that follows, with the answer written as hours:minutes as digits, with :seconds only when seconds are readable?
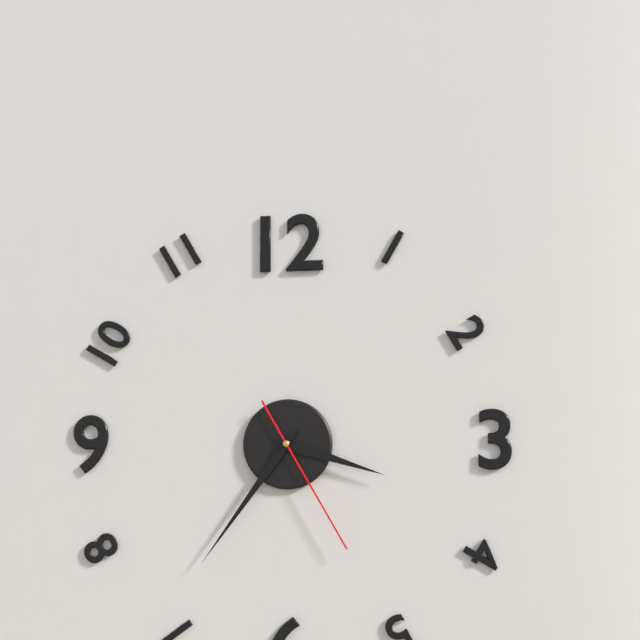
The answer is 3:36:25
